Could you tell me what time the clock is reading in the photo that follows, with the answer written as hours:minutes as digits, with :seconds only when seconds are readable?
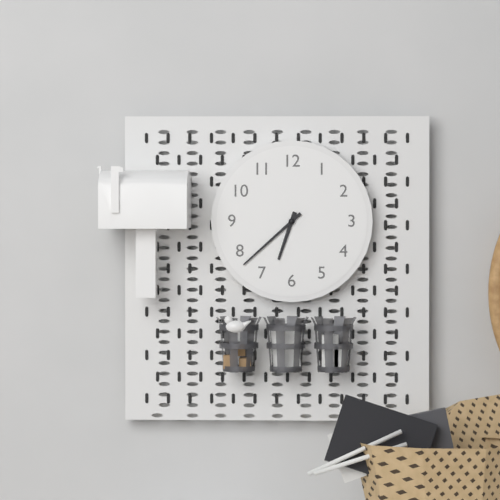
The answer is 6:38
